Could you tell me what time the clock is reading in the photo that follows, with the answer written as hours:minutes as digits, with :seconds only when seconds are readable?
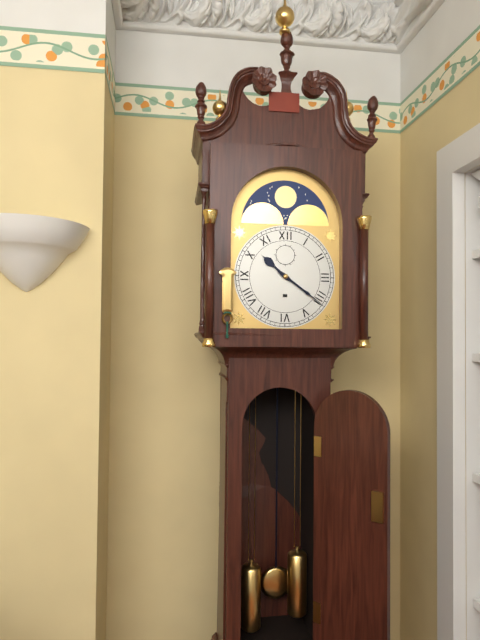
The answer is 10:21
